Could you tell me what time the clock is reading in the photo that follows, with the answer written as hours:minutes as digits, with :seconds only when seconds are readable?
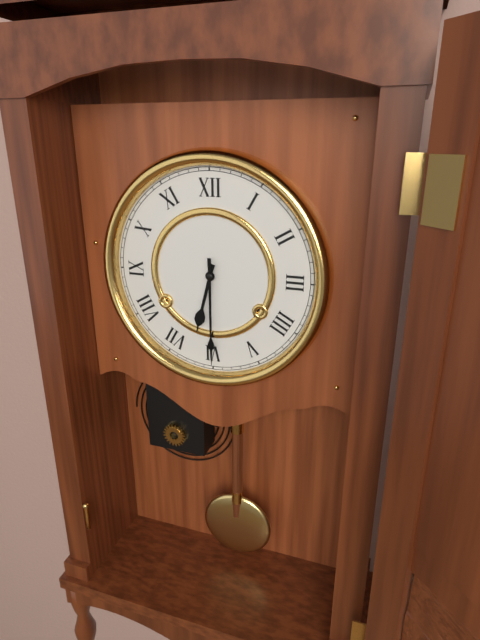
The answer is 6:30
